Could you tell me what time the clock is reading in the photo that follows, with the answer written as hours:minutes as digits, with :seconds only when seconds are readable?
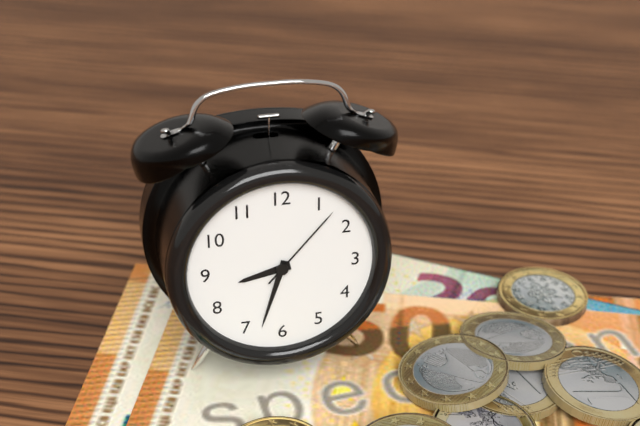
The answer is 8:33:07
